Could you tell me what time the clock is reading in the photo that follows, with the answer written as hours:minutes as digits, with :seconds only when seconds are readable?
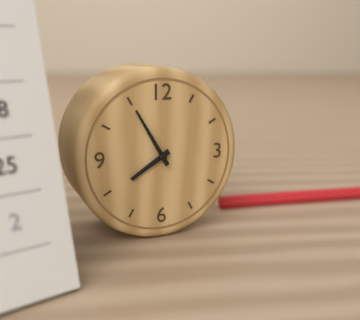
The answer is 7:55
